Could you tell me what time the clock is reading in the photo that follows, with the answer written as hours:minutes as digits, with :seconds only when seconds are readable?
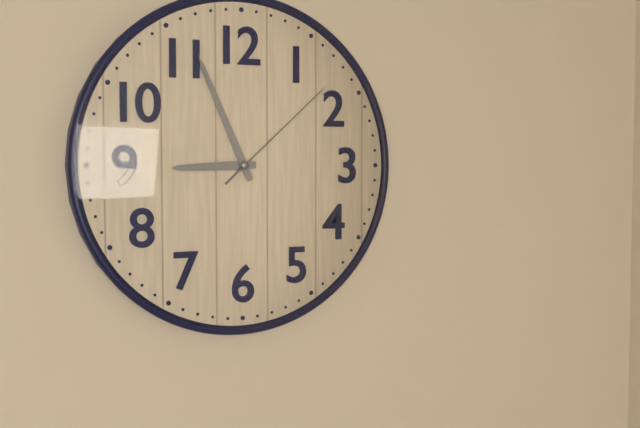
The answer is 8:56:08
